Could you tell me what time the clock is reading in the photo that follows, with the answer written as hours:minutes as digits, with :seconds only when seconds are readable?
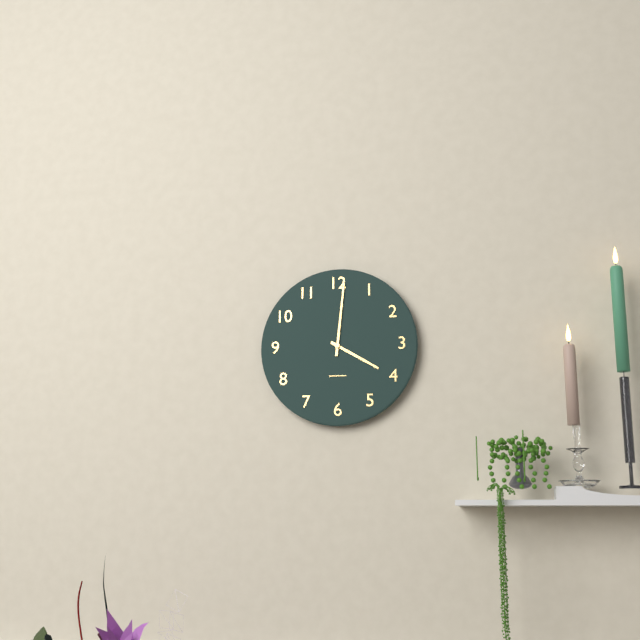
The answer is 4:01
